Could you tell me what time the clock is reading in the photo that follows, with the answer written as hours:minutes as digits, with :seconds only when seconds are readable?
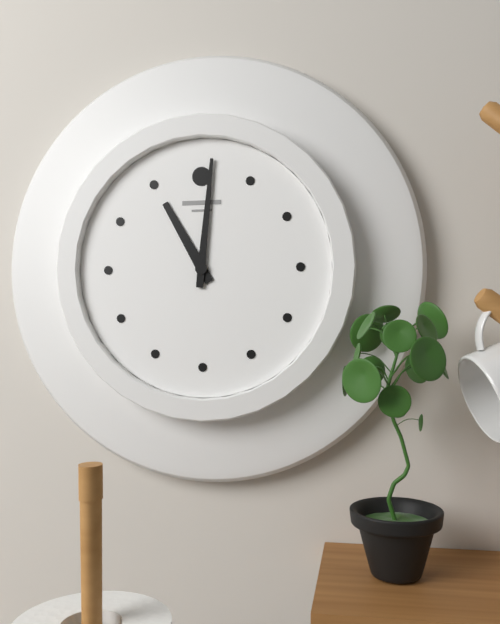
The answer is 11:01
